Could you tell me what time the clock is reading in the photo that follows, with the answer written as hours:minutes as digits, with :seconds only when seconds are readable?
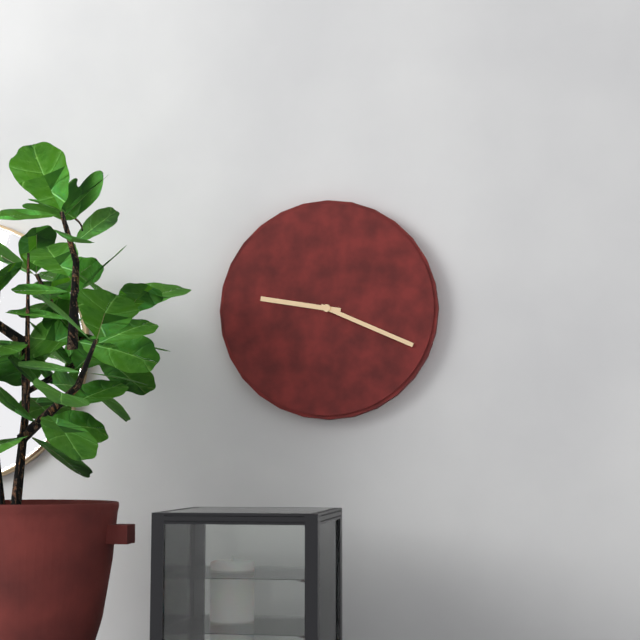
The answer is 9:19
